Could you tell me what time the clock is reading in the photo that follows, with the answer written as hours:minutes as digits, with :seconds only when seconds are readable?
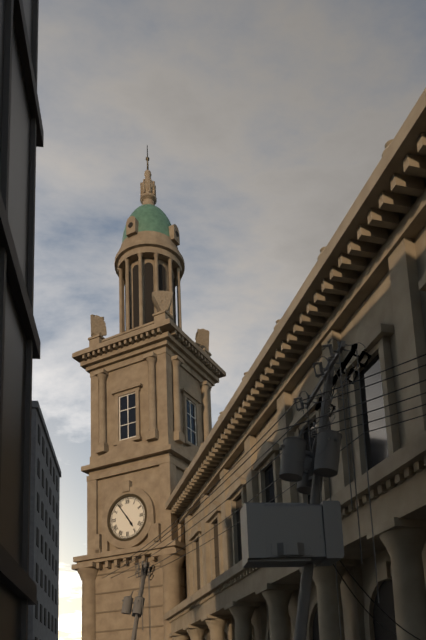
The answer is 4:54
